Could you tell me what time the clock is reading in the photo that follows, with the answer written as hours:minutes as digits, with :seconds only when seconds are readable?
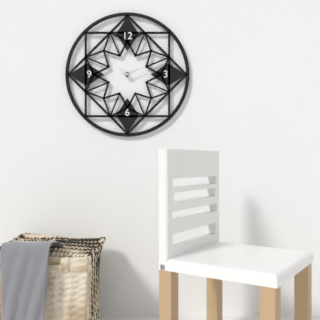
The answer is 10:11
